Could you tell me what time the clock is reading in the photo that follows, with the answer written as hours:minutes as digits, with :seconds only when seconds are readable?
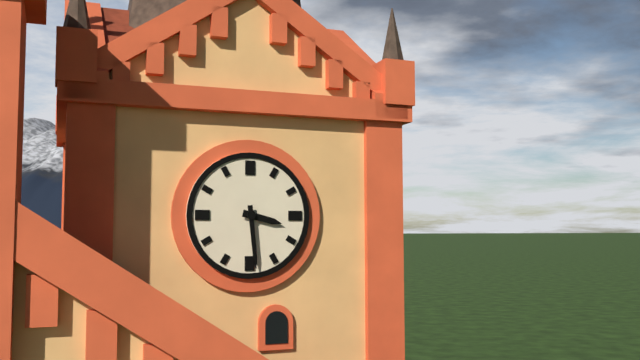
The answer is 3:29
